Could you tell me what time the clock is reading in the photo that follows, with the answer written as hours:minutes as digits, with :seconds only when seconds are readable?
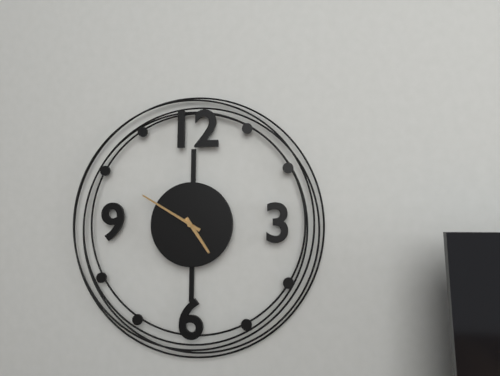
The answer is 4:50
